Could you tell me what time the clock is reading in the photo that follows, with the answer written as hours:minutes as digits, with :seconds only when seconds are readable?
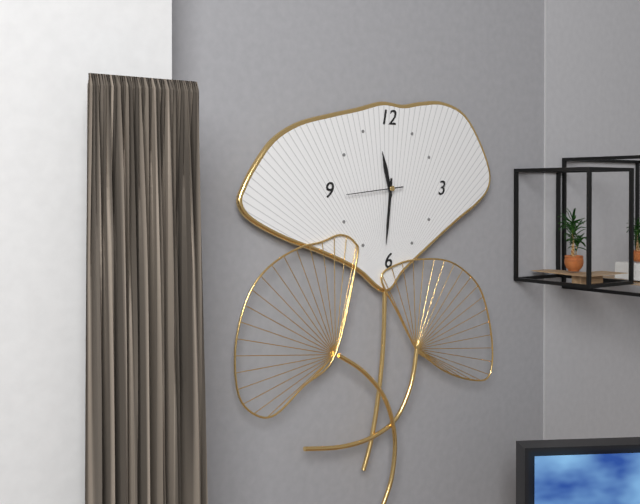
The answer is 11:31:44
